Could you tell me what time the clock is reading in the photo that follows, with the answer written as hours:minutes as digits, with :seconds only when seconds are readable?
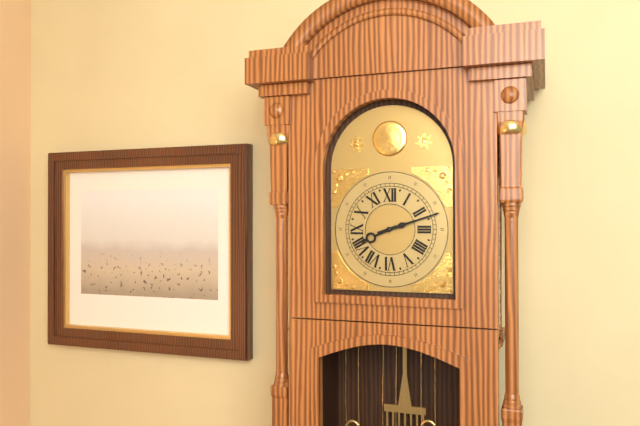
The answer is 8:12
